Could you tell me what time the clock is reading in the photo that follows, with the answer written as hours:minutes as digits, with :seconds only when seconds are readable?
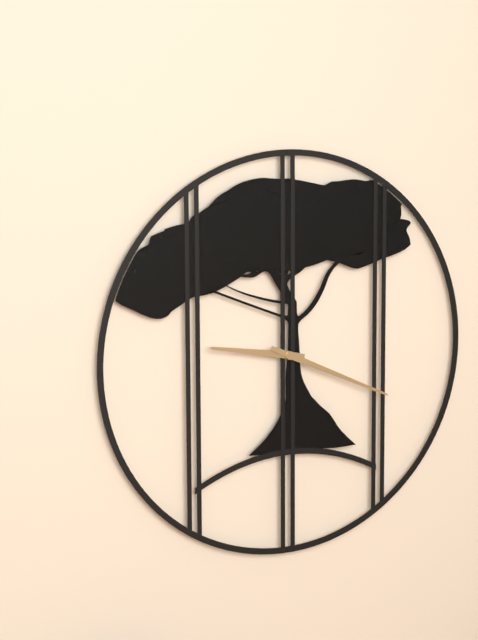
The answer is 9:19
